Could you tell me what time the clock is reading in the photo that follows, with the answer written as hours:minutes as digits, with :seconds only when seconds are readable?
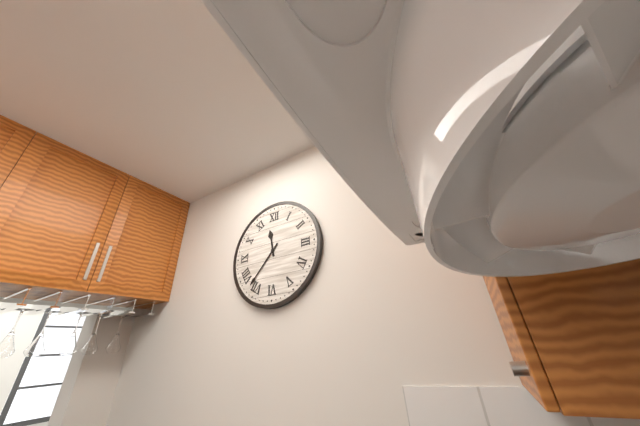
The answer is 11:37
